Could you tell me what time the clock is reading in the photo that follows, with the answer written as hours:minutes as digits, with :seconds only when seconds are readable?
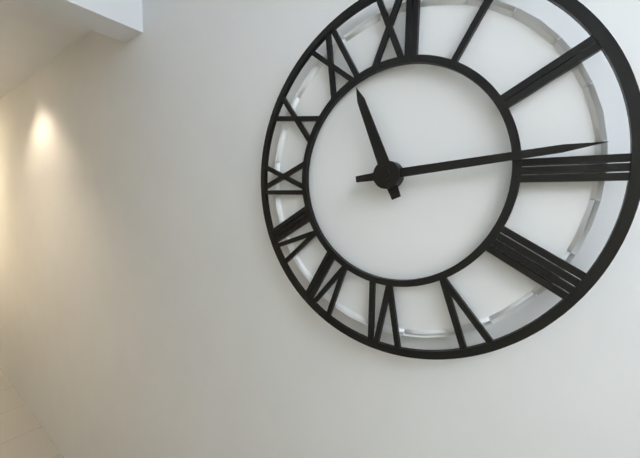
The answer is 11:14
